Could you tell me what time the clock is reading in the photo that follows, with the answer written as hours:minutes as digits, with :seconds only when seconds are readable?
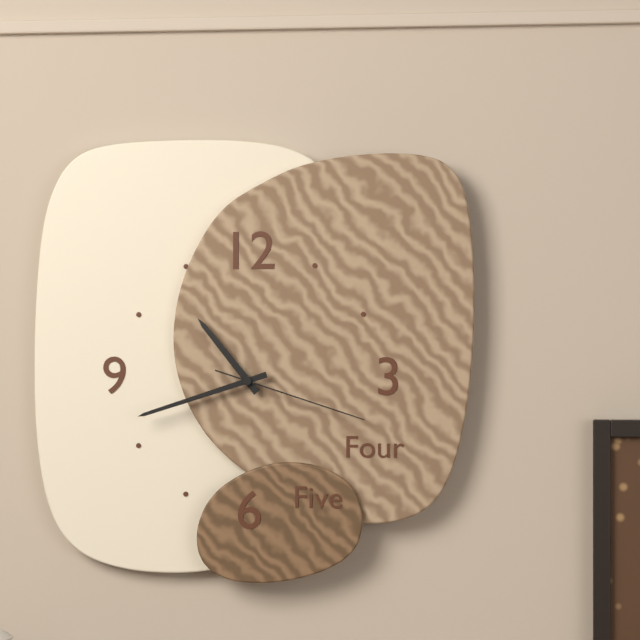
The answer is 10:42:18
